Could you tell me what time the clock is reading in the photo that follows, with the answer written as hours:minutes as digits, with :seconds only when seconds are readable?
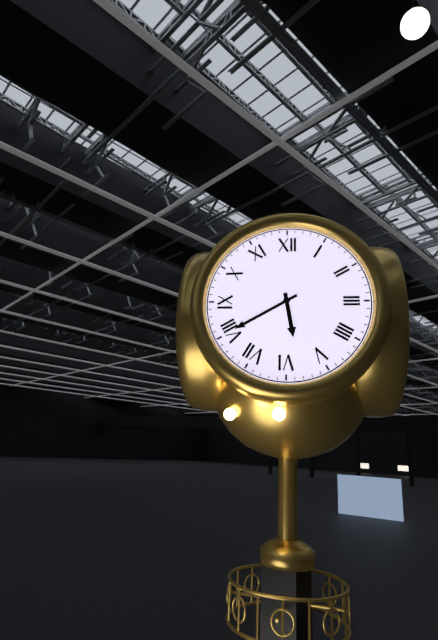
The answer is 5:40
